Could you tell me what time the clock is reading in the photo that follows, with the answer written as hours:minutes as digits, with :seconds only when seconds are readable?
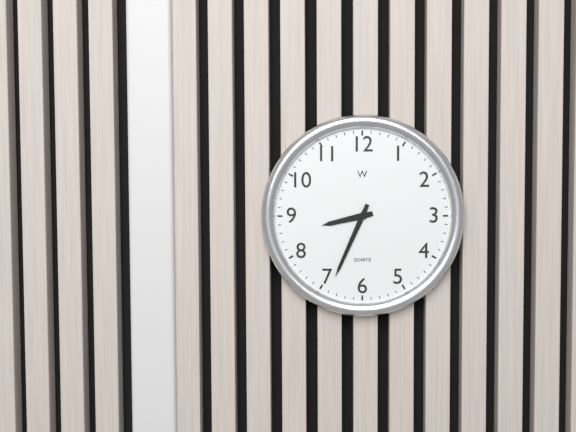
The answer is 8:34
